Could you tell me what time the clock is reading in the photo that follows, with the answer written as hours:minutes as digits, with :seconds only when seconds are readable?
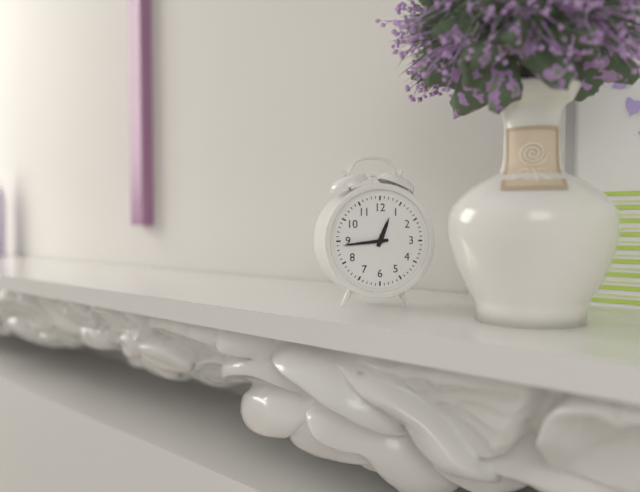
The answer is 12:44
